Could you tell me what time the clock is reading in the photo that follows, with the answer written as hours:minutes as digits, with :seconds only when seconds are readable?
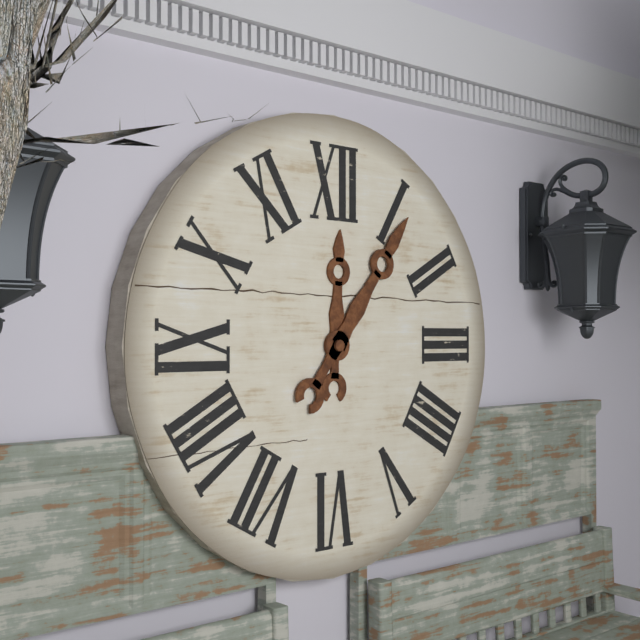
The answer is 12:06
